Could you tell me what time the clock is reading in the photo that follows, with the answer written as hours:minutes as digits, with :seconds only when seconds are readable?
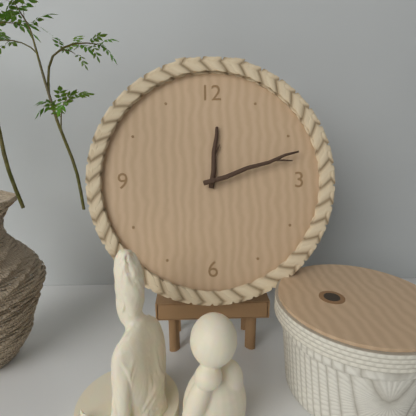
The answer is 12:12
